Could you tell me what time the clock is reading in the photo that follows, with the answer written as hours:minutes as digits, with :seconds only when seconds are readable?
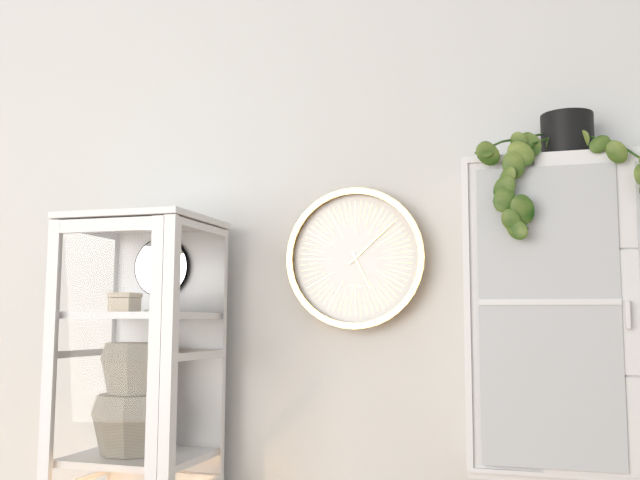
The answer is 5:08
